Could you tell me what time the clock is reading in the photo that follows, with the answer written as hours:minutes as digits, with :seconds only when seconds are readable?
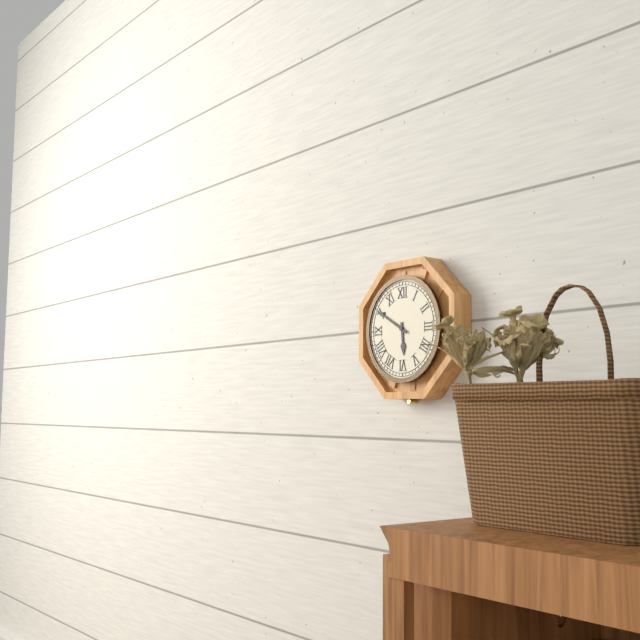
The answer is 5:50
